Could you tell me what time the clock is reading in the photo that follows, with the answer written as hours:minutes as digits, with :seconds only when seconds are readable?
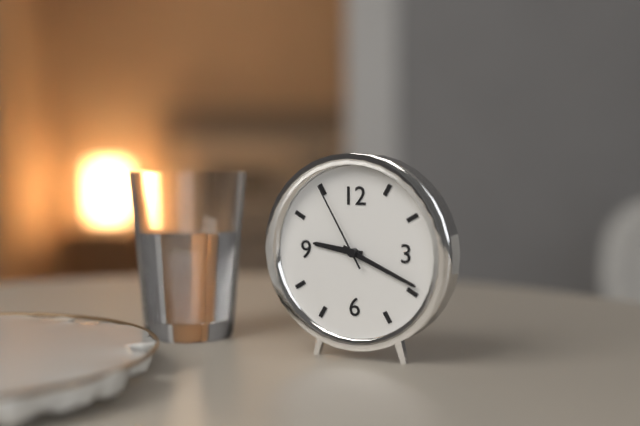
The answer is 9:19:55
